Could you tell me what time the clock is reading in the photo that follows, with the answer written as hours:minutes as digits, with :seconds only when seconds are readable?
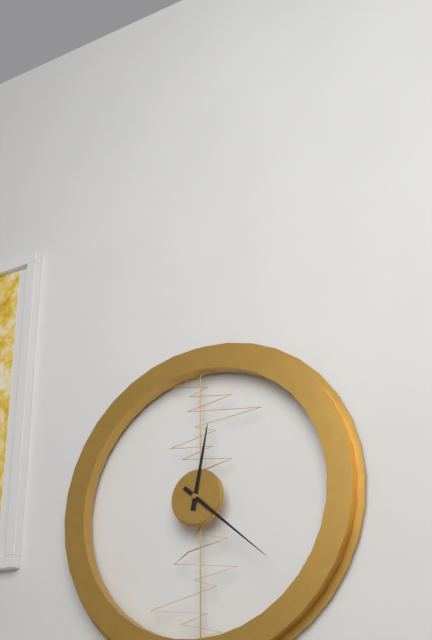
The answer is 12:22
